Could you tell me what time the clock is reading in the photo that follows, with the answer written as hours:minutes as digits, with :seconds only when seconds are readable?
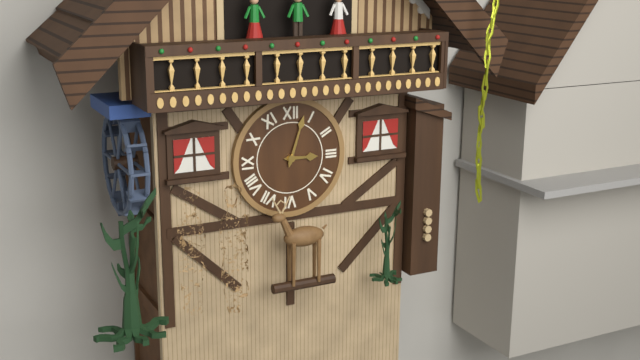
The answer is 3:03
